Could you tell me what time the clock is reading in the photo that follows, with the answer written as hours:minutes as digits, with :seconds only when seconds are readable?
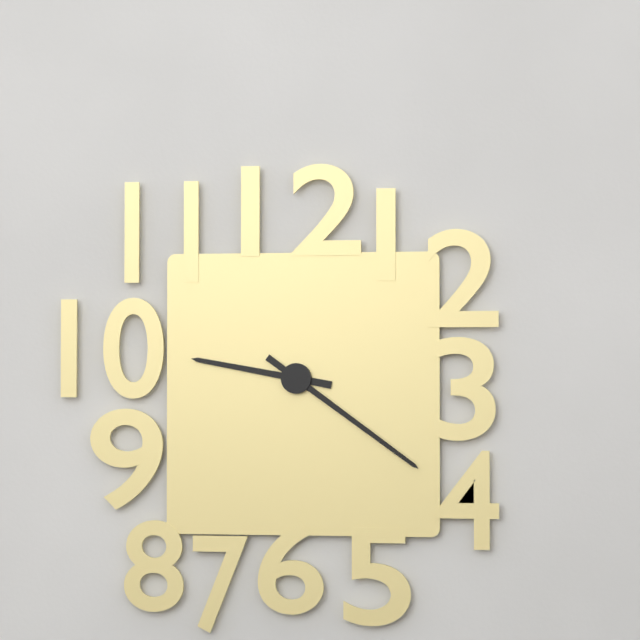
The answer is 9:21
